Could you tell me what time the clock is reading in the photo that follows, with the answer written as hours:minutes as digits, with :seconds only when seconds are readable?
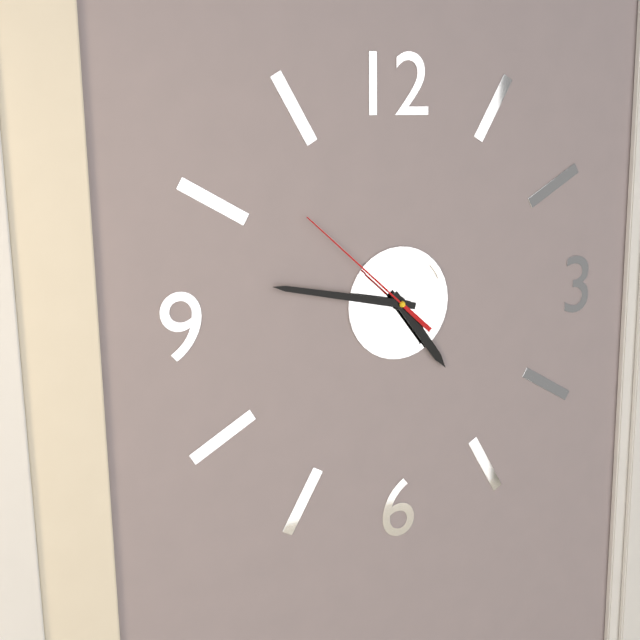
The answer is 4:47:52
